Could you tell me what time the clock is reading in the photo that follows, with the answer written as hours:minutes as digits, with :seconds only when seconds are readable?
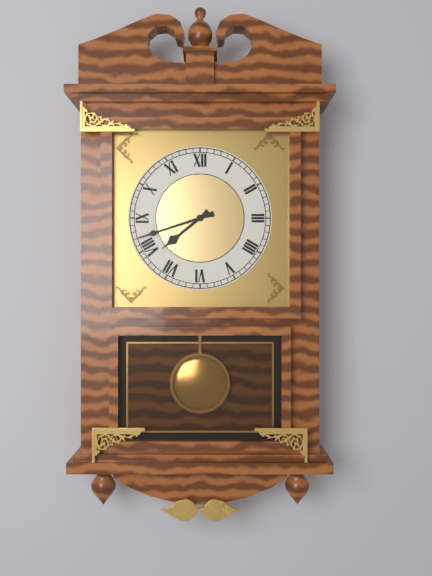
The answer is 7:42
